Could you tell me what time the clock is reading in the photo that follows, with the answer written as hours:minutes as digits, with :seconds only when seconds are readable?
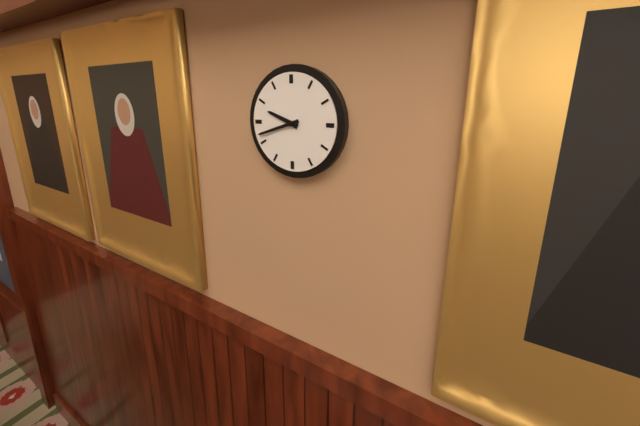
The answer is 9:42
